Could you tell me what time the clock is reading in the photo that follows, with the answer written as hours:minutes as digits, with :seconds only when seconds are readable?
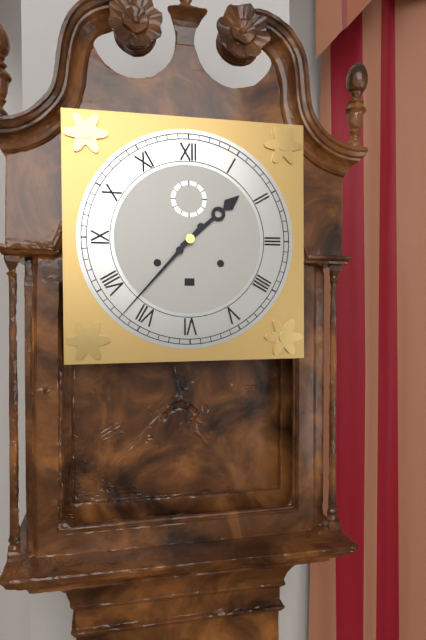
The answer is 1:37
